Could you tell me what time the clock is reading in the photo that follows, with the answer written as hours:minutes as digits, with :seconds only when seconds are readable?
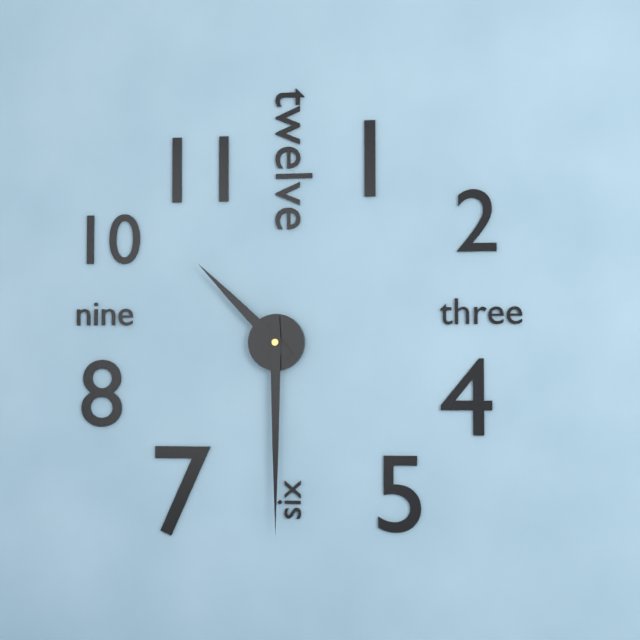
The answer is 10:30
